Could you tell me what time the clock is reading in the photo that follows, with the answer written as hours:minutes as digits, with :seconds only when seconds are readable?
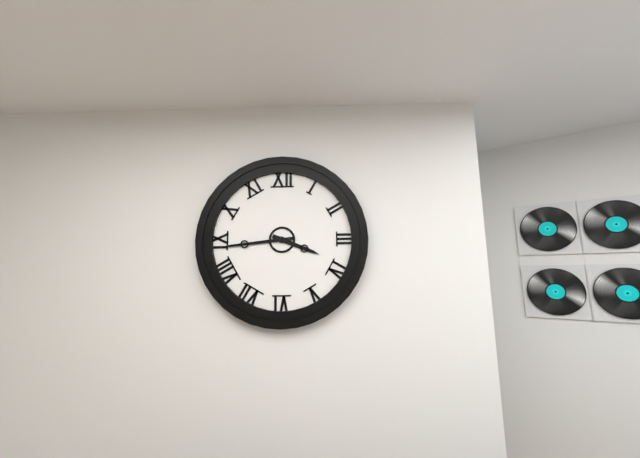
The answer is 3:44
